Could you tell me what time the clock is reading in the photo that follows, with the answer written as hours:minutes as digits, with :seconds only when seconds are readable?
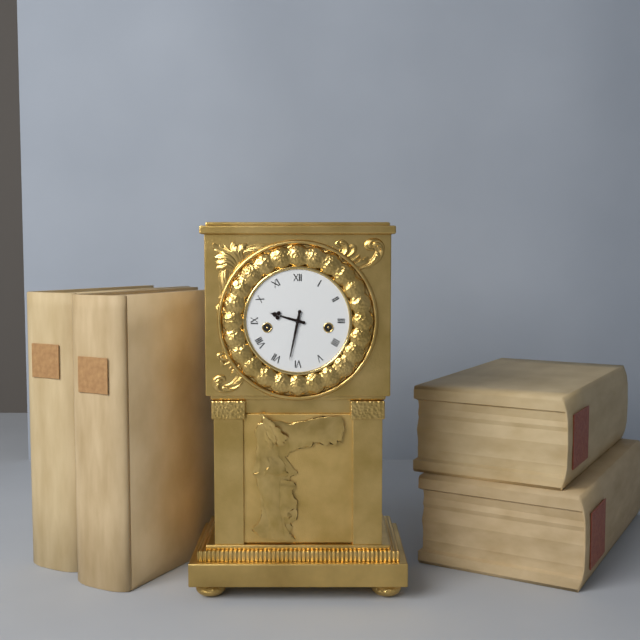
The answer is 9:32
